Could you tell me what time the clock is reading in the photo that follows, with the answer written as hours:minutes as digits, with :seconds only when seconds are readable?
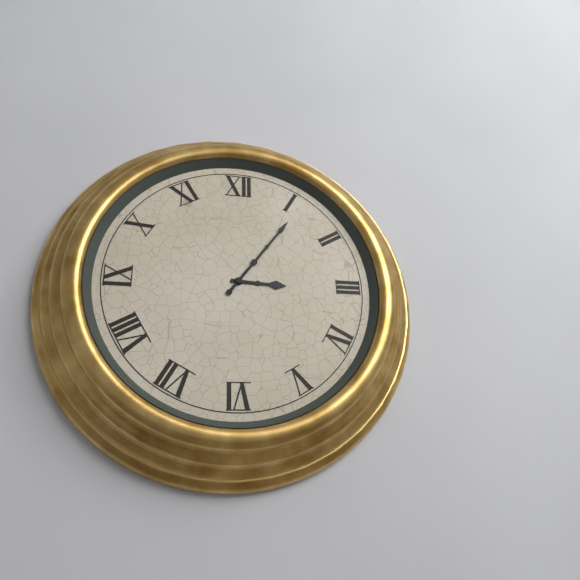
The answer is 3:06
